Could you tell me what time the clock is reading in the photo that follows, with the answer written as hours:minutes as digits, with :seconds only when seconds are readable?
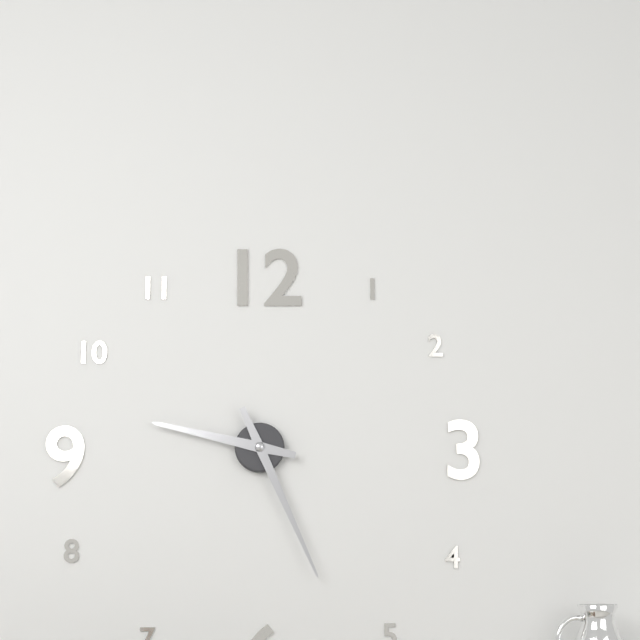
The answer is 9:26
